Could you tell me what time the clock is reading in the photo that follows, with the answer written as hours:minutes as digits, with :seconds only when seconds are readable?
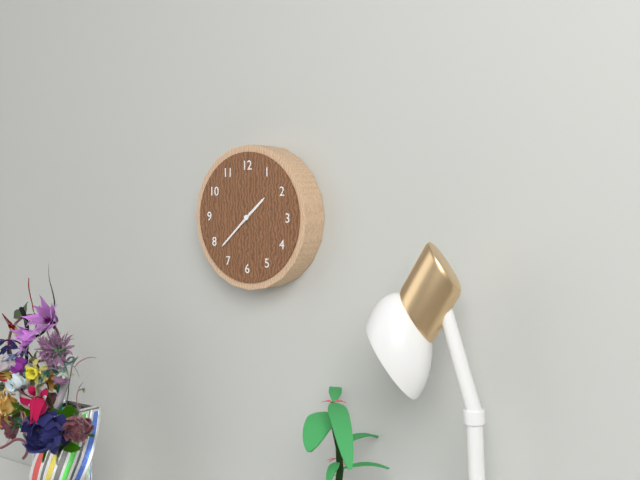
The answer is 1:38
